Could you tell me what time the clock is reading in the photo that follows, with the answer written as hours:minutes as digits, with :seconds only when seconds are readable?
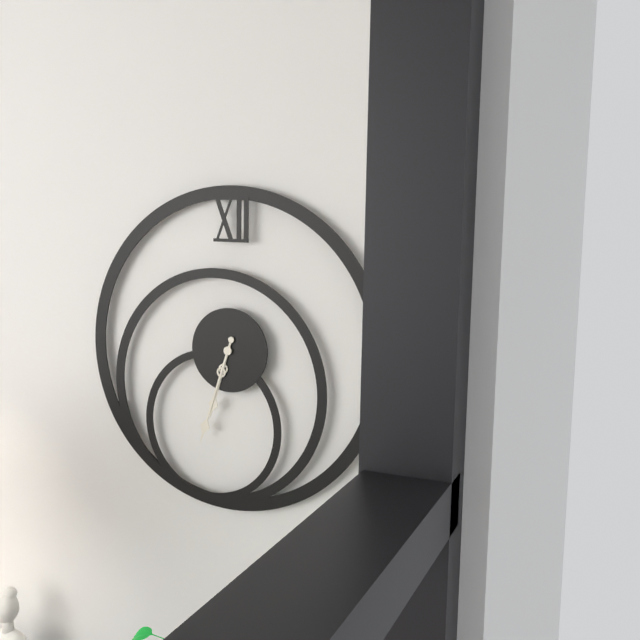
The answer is 6:33
